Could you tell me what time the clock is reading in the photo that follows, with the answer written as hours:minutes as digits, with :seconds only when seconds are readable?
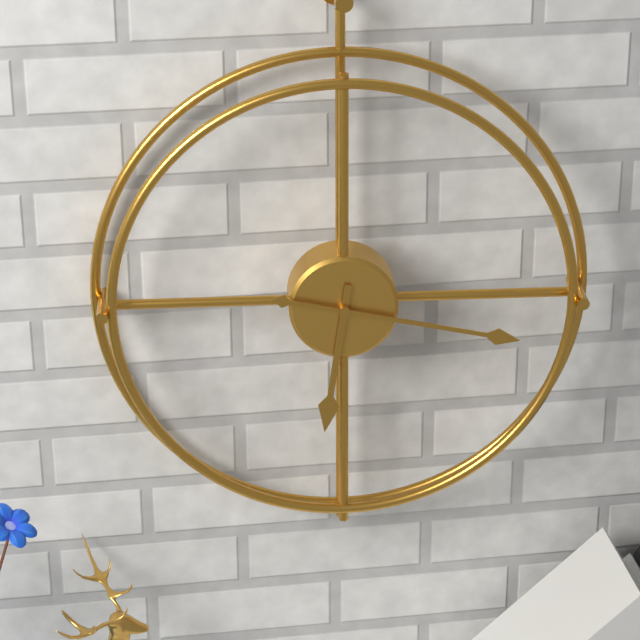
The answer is 6:17
